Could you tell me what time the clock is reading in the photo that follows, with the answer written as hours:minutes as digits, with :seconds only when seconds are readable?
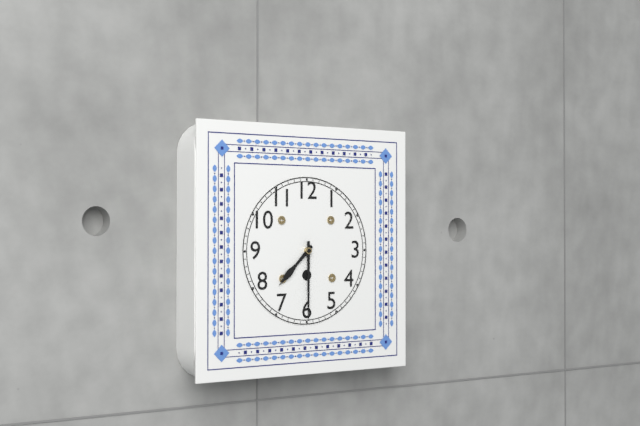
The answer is 7:30
